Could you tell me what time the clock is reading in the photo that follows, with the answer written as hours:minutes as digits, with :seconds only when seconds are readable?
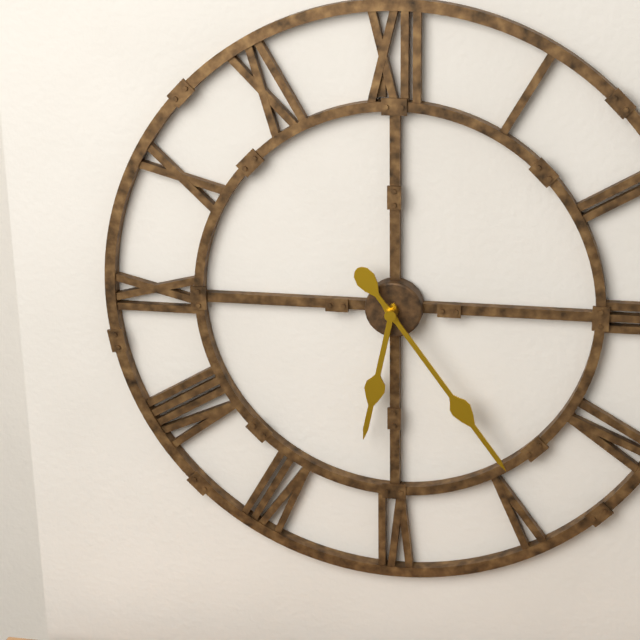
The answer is 6:24
